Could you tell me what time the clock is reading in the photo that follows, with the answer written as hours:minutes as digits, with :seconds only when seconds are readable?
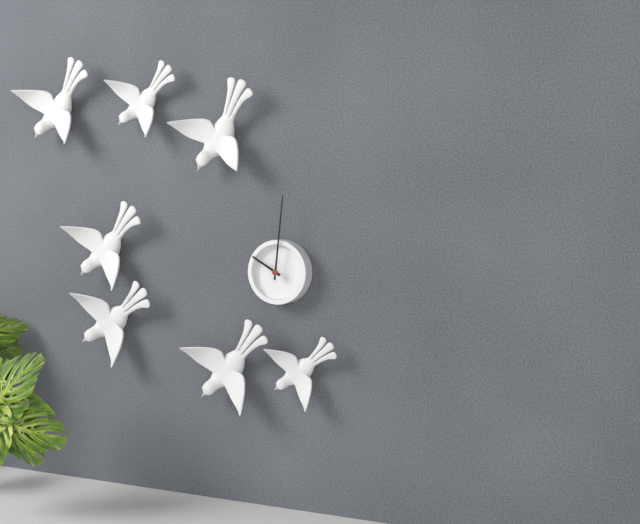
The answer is 10:01
